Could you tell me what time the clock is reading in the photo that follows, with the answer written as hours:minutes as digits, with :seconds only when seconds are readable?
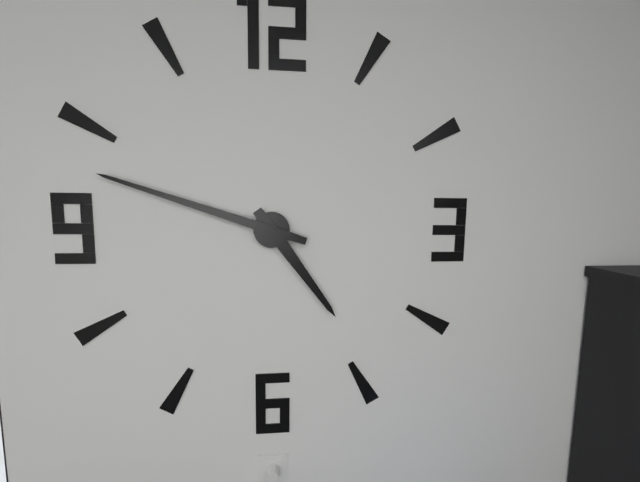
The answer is 4:48
